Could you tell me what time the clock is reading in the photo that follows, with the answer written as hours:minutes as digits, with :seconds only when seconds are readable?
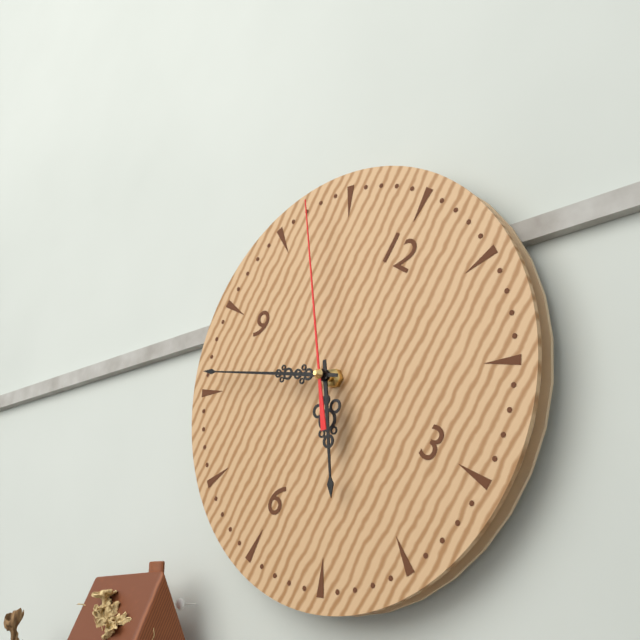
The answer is 4:41:53
